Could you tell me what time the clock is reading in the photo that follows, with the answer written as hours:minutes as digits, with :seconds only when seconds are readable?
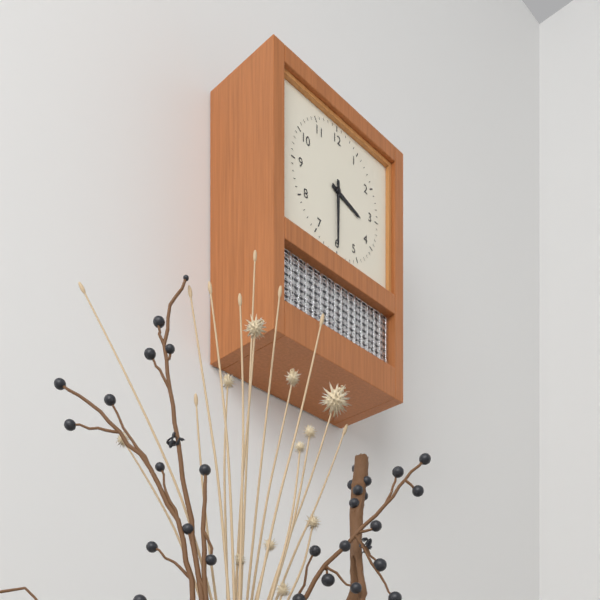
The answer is 3:30
